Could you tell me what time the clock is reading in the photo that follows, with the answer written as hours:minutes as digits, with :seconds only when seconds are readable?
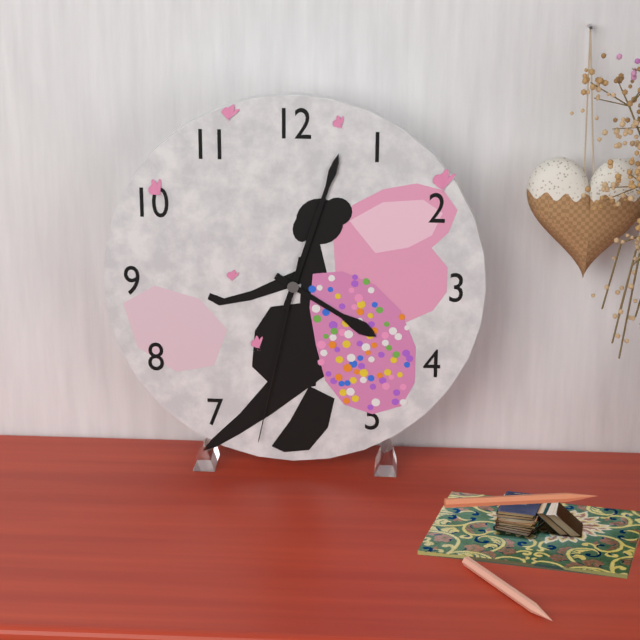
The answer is 4:03:32
